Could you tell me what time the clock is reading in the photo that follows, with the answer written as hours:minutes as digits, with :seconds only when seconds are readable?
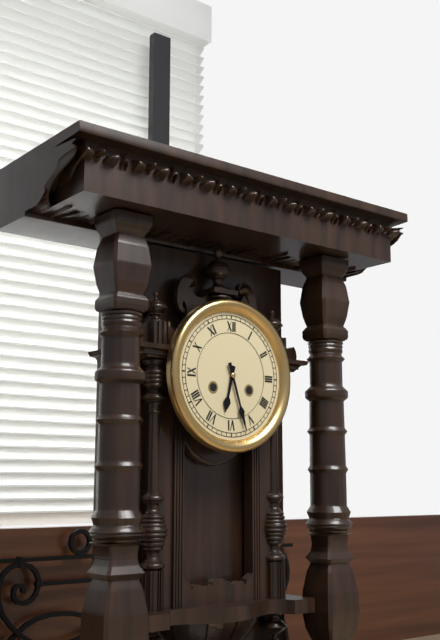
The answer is 6:27
